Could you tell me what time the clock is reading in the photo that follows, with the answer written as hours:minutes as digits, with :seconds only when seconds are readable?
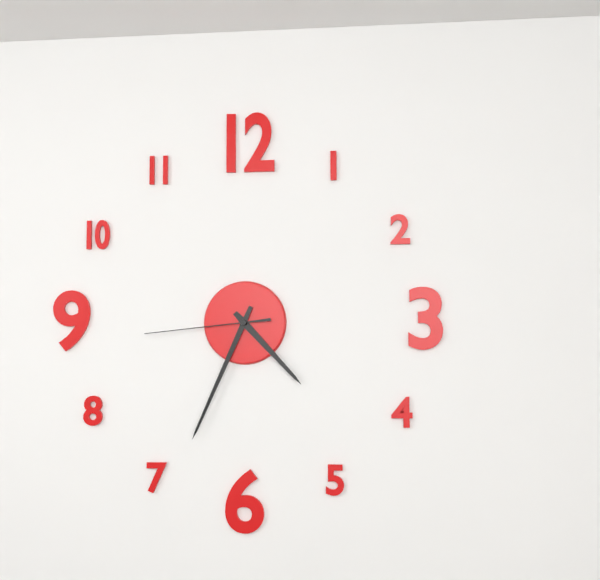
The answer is 4:34:44
